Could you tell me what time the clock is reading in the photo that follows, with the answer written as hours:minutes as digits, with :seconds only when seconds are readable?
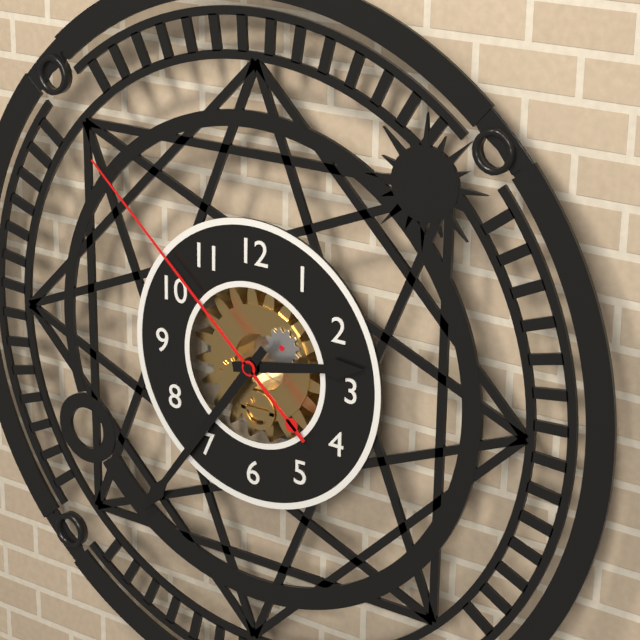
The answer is 2:36:52
